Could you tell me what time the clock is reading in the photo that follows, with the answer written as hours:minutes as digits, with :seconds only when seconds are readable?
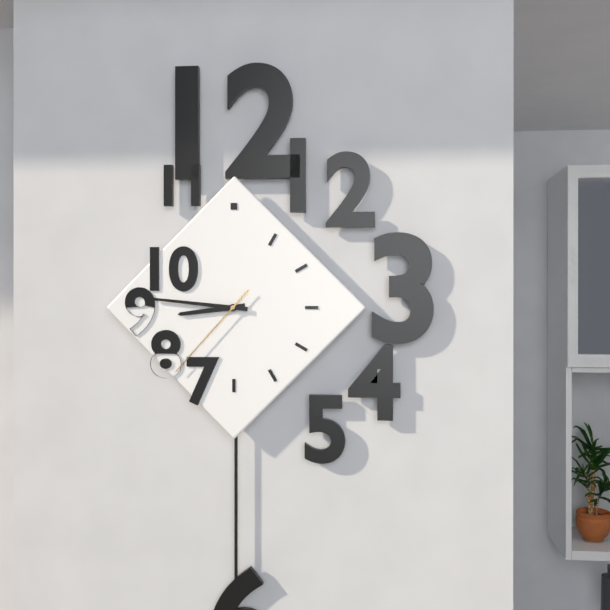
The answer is 8:46:37
